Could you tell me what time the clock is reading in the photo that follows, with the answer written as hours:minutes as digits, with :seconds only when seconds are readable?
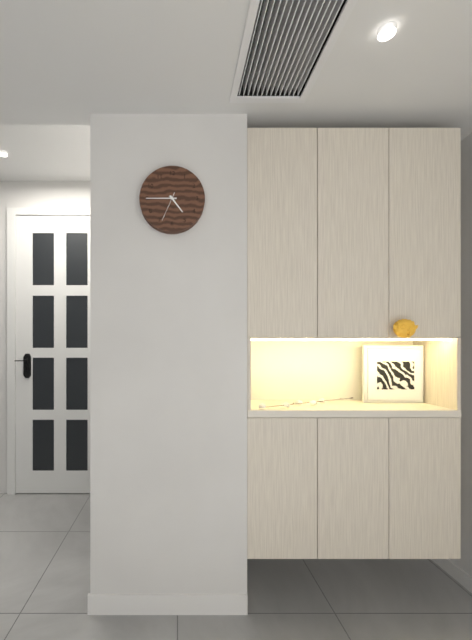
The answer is 4:45
